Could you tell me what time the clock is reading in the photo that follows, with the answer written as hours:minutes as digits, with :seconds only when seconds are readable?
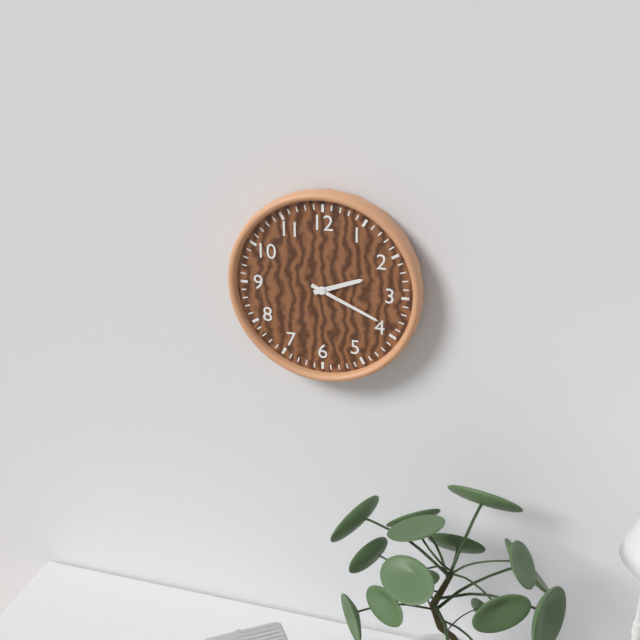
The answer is 2:19
